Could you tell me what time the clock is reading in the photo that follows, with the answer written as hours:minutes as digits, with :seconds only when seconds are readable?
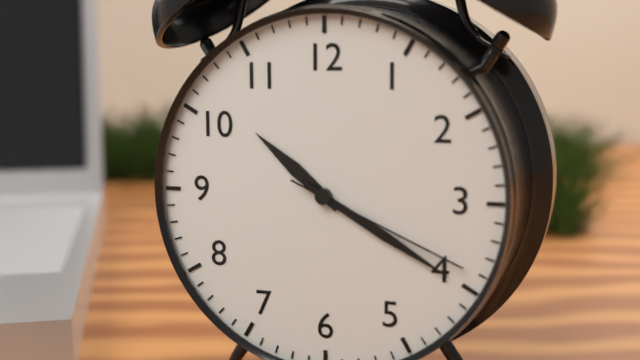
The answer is 10:20:19
